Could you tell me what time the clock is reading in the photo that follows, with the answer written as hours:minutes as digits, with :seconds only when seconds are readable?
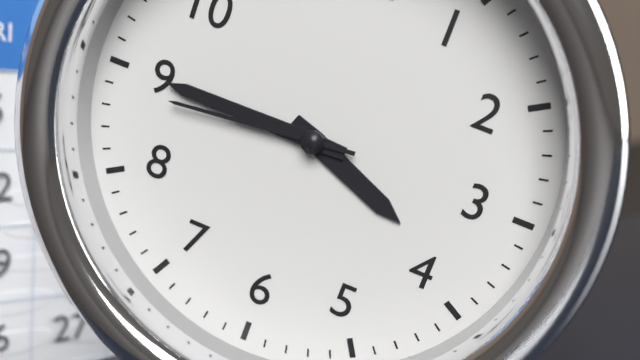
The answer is 3:45:44
